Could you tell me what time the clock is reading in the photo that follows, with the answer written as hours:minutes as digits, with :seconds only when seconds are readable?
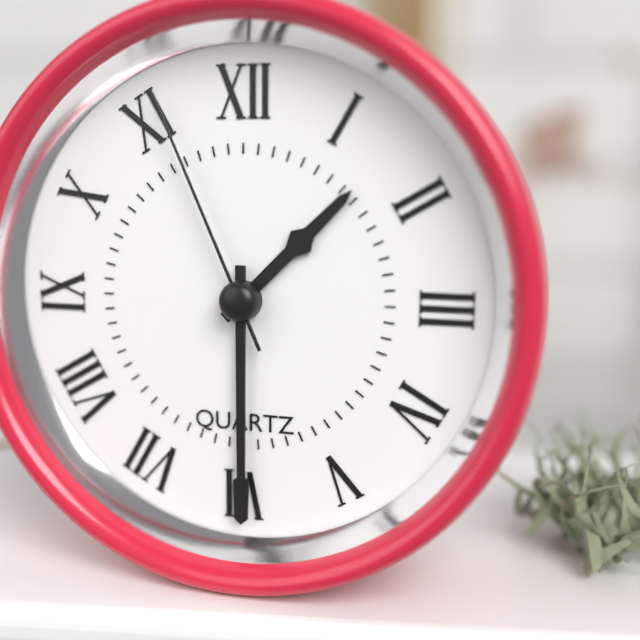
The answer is 1:30:56
